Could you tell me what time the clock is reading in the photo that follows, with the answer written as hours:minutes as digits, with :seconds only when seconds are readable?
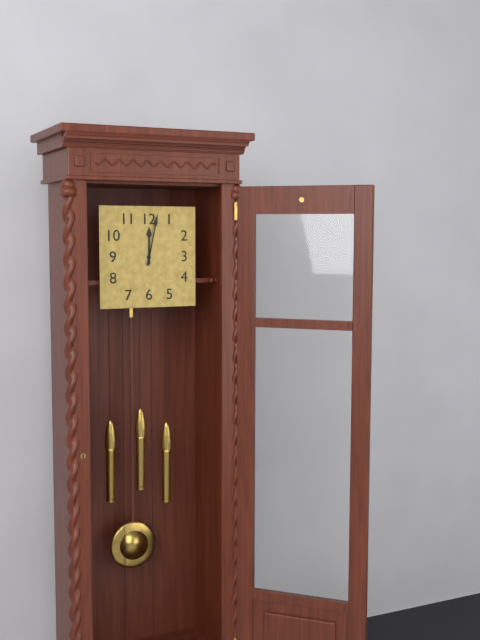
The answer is 12:02
